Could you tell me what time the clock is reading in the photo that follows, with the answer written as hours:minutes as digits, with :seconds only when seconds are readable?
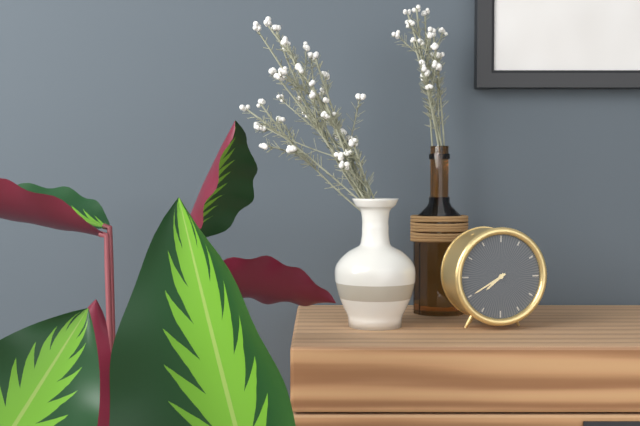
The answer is 7:40
